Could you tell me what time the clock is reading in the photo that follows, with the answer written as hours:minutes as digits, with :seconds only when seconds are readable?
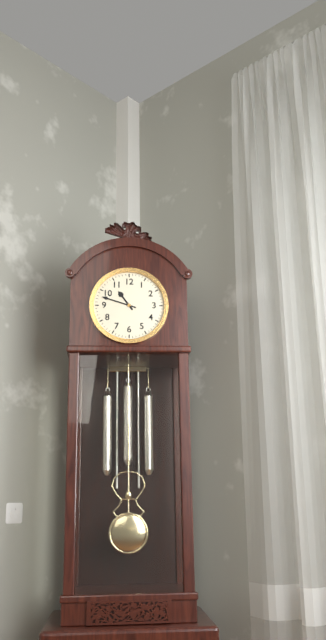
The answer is 10:48
